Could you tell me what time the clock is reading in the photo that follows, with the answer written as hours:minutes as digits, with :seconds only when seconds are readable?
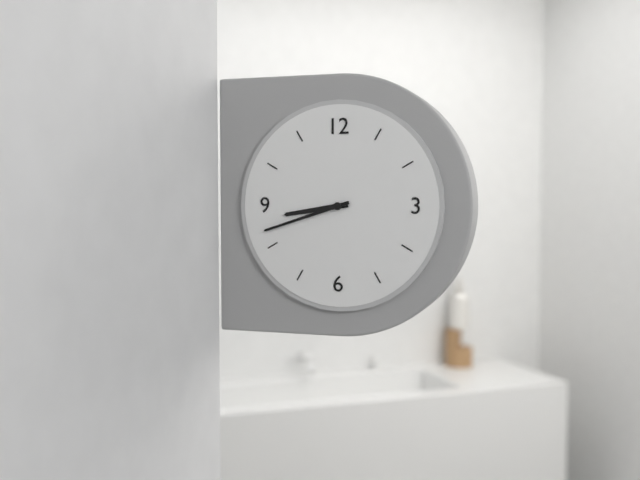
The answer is 8:42
